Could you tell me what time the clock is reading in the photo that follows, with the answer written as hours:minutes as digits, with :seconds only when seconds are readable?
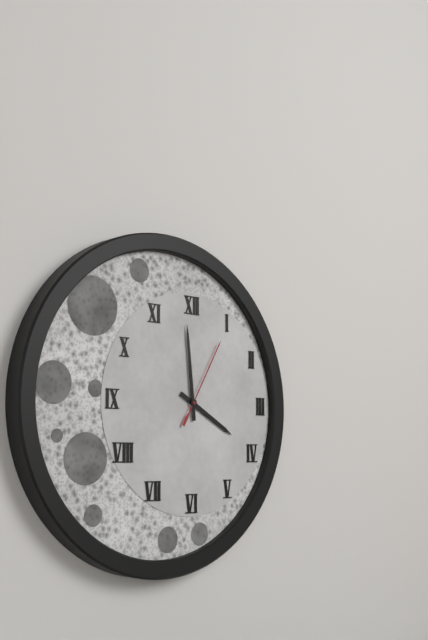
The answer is 3:59:05
